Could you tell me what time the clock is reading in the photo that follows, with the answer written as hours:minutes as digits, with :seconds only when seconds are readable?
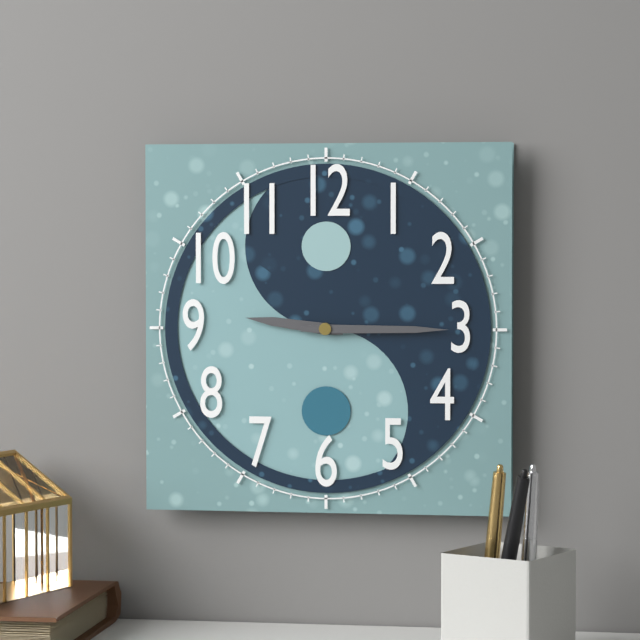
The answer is 9:15
